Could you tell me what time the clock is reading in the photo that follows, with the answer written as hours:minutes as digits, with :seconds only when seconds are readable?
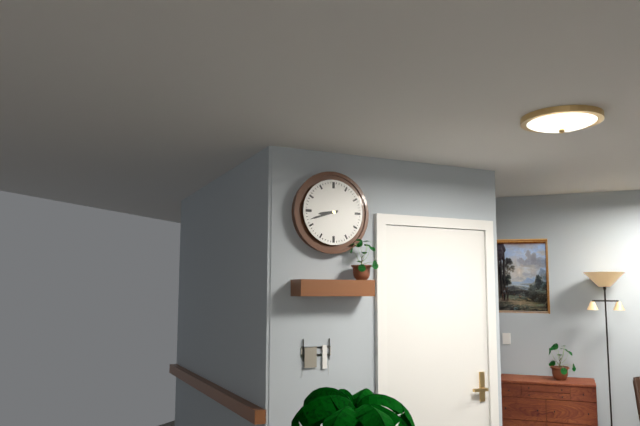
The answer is 8:42
